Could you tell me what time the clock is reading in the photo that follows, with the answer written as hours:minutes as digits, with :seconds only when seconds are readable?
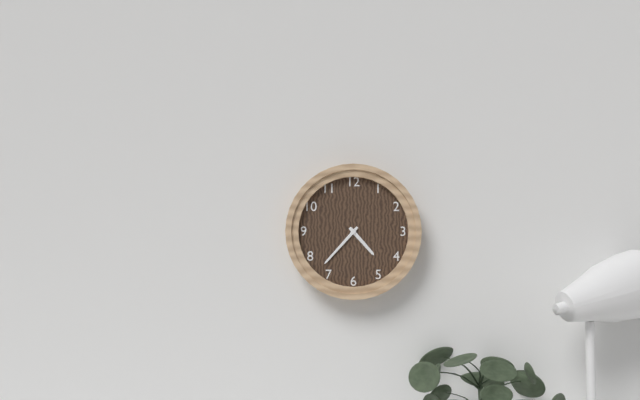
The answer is 4:37
